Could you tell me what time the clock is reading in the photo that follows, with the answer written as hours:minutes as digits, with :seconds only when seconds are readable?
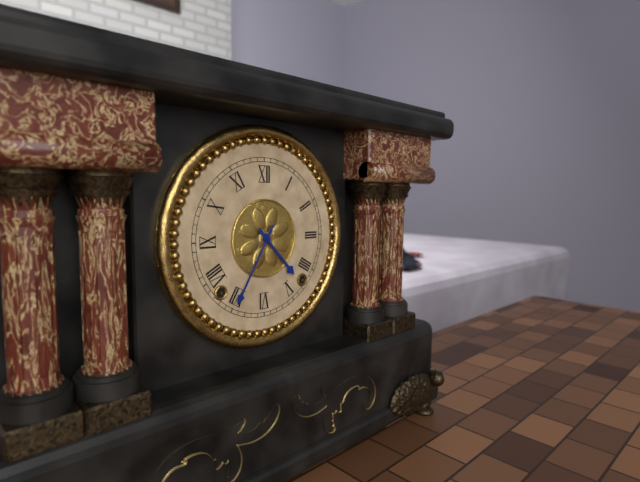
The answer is 4:35
